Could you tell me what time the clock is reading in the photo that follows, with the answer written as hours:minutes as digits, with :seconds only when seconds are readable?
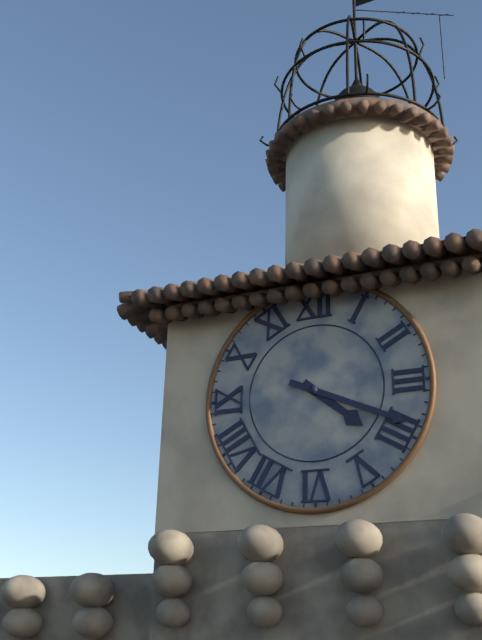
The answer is 4:19
